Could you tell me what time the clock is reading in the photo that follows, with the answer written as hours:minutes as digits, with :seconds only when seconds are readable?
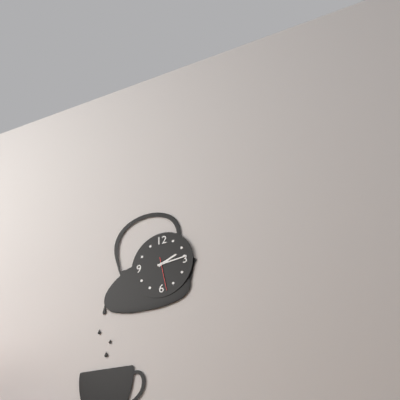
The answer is 2:14
